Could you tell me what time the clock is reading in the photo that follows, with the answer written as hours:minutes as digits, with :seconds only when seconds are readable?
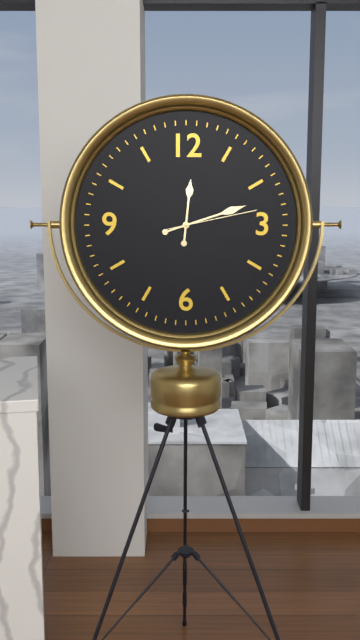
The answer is 12:12:13
